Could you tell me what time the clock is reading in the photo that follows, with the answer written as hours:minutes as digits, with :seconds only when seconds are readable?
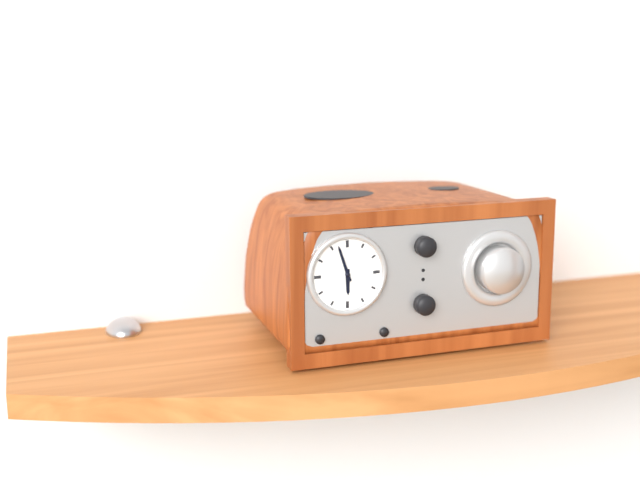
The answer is 5:57
